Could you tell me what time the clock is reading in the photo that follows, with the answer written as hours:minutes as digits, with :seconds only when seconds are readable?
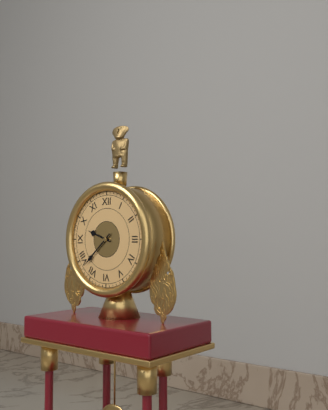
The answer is 9:38
